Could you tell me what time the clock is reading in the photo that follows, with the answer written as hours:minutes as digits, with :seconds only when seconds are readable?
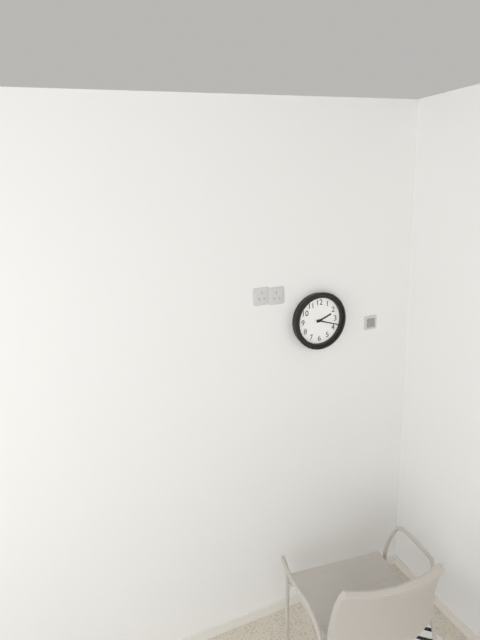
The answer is 2:18
